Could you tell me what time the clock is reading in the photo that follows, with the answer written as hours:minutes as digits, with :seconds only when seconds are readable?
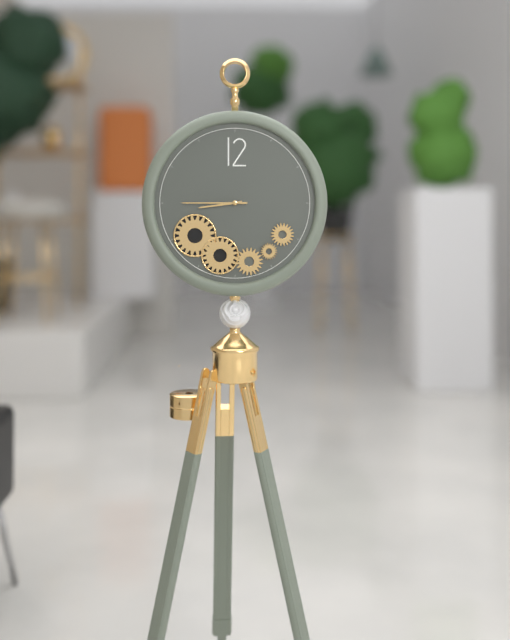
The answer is 8:45
